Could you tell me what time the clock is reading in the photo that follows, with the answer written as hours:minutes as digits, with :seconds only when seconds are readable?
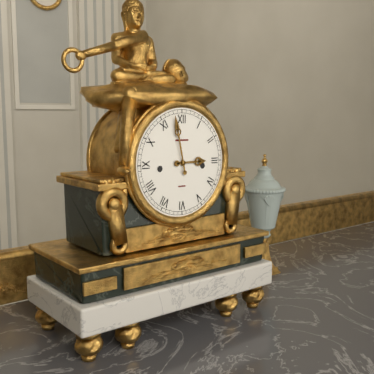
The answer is 2:58
